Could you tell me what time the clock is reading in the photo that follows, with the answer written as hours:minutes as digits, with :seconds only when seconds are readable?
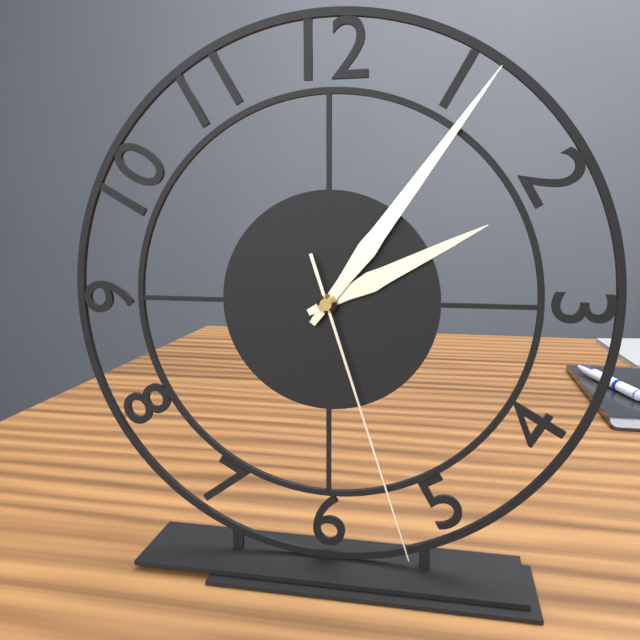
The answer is 2:06:27
